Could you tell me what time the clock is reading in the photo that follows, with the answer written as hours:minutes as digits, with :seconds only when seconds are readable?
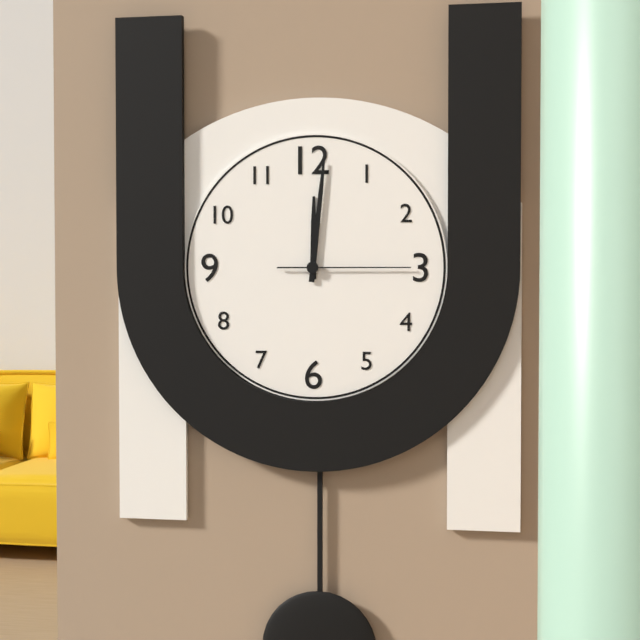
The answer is 12:01:15
